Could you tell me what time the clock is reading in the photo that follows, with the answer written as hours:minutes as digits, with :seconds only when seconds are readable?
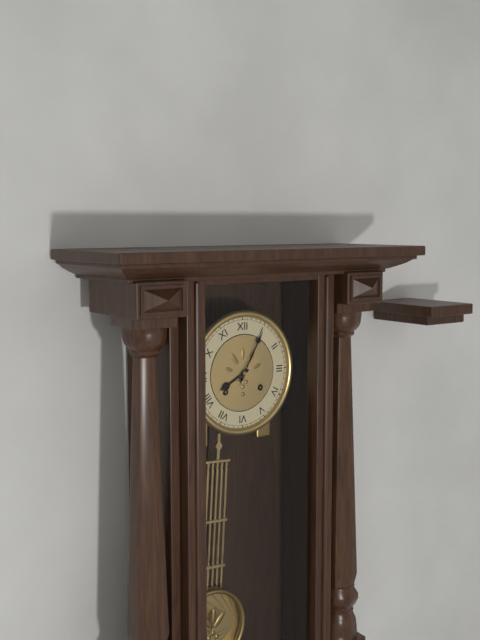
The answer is 8:05
